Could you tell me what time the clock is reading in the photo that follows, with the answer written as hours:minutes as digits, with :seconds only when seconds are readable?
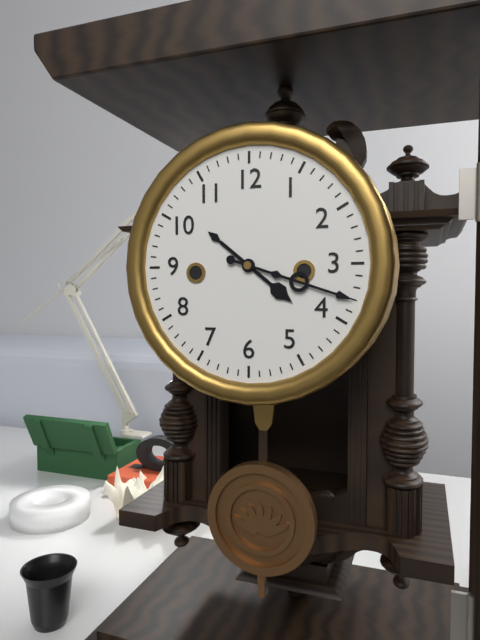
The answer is 4:18
